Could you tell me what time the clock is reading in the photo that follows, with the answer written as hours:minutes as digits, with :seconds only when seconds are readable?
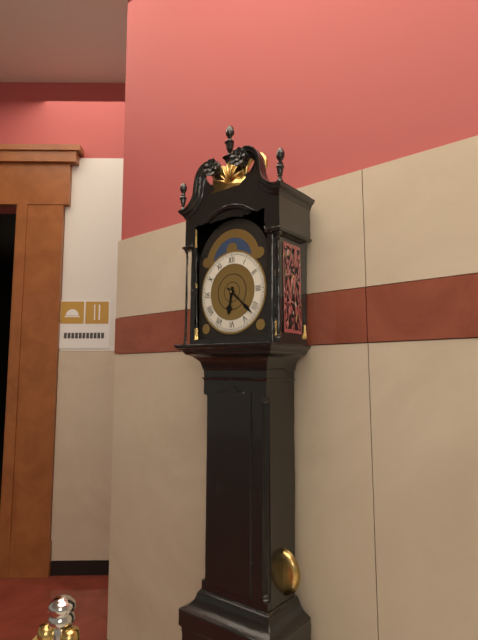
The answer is 6:22
